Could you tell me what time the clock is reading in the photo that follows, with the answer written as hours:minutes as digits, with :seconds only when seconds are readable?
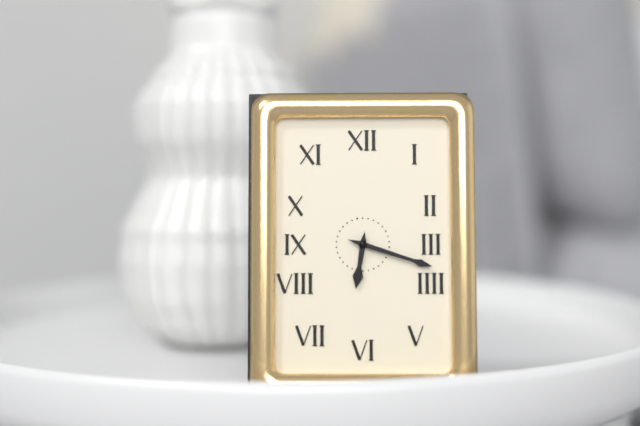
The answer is 6:18
